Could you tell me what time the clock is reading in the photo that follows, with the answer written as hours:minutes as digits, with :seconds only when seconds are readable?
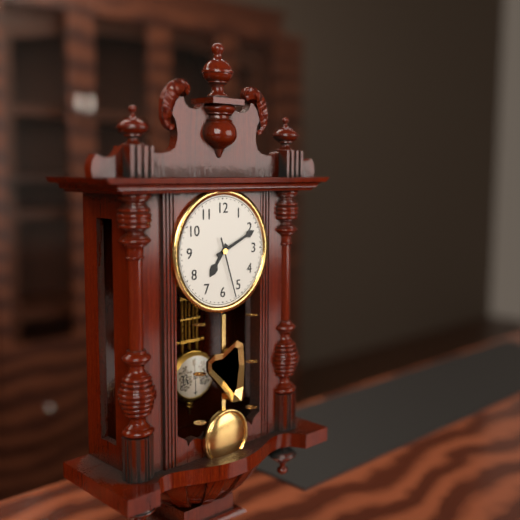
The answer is 7:11:27
